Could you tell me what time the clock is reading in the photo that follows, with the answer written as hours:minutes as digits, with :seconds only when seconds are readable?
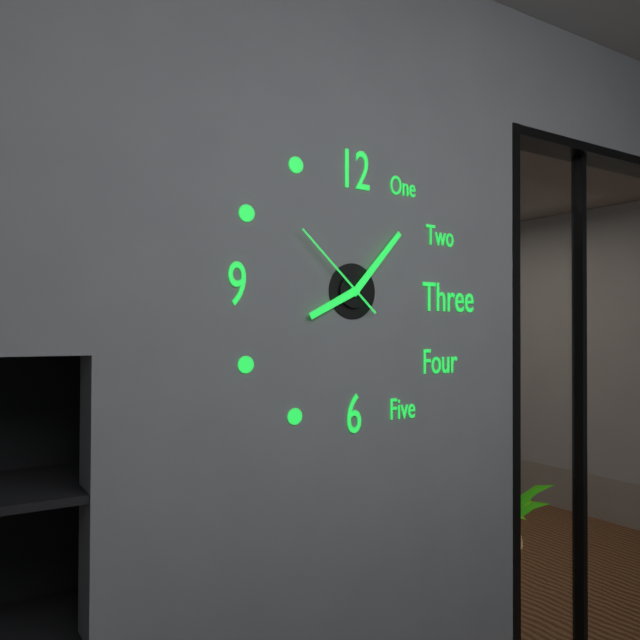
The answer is 8:07:52
